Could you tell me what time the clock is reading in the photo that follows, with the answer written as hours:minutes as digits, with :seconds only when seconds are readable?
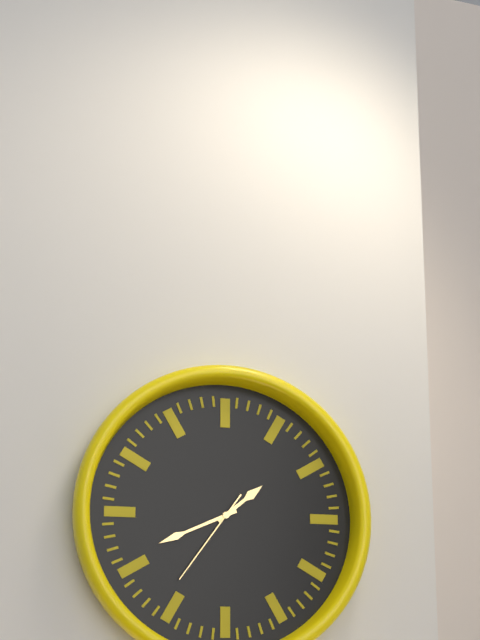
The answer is 1:41:36
